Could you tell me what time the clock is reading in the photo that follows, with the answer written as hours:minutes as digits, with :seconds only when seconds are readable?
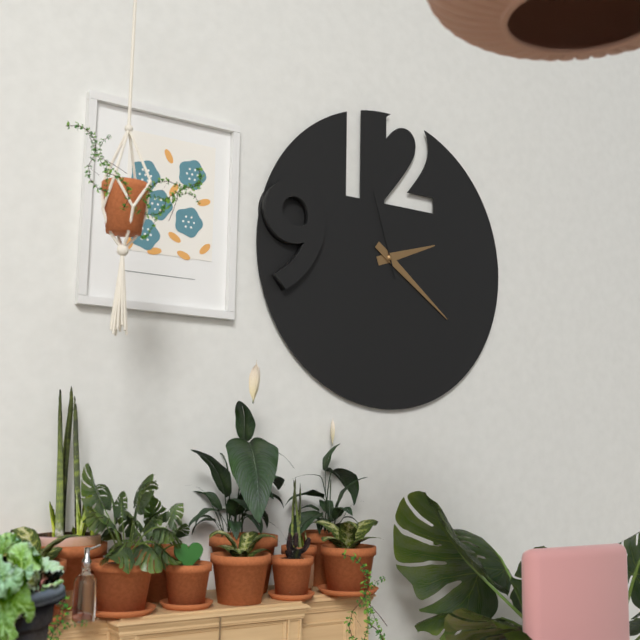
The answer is 2:21:57
